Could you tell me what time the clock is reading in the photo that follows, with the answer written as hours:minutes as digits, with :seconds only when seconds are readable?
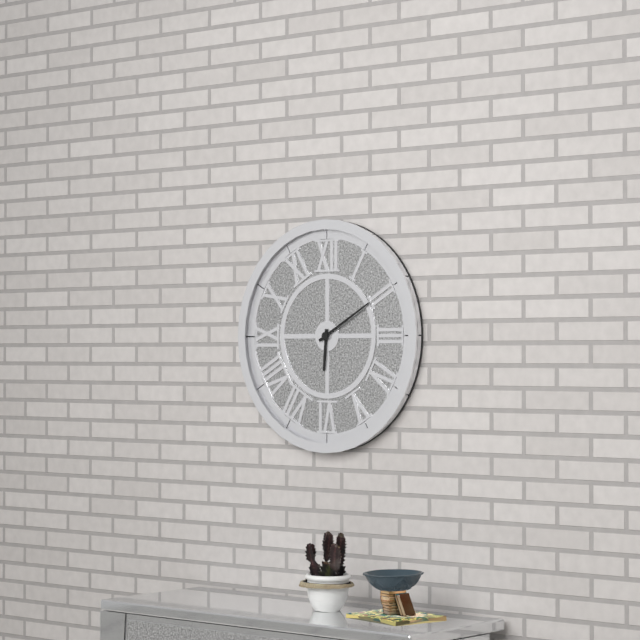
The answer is 6:10
